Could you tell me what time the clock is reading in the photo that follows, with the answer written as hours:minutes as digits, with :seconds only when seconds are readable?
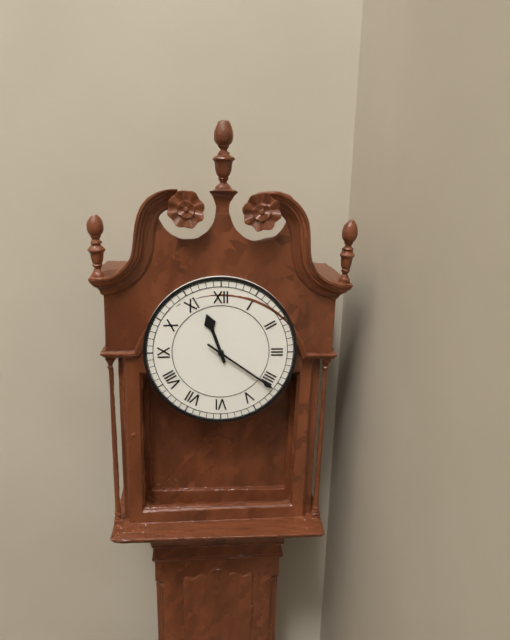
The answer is 11:21
